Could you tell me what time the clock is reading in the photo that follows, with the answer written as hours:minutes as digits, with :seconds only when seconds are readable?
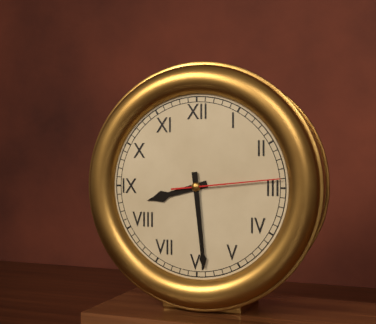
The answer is 8:29:14
